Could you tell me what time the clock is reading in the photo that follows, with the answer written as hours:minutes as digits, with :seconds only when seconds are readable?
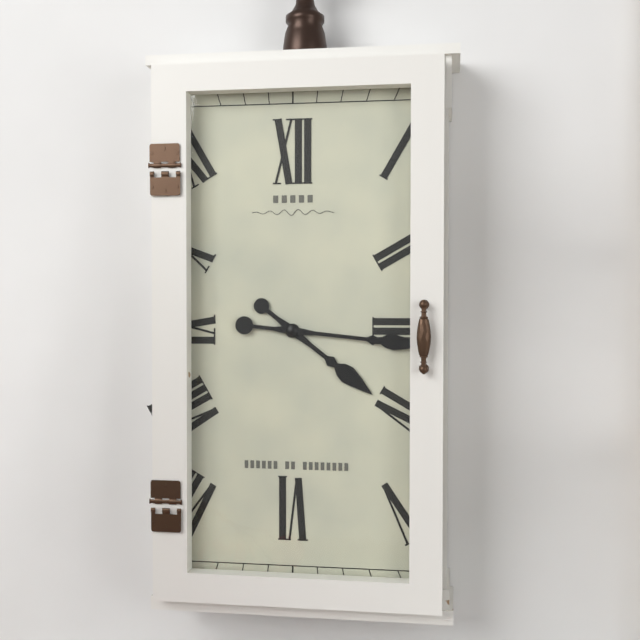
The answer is 4:16
